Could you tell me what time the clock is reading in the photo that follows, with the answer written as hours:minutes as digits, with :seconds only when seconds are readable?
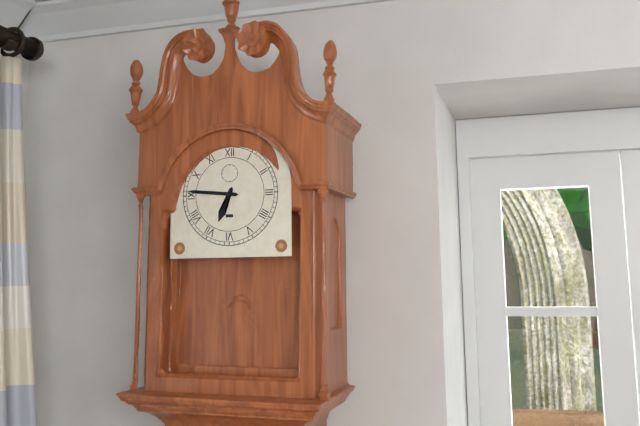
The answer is 6:46
